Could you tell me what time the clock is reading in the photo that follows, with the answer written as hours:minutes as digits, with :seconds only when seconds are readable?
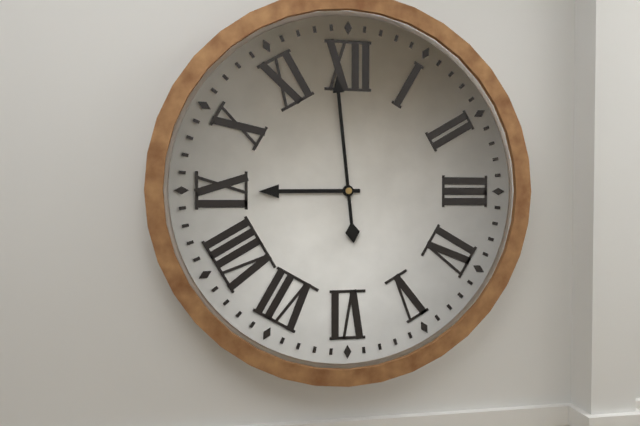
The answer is 8:59
